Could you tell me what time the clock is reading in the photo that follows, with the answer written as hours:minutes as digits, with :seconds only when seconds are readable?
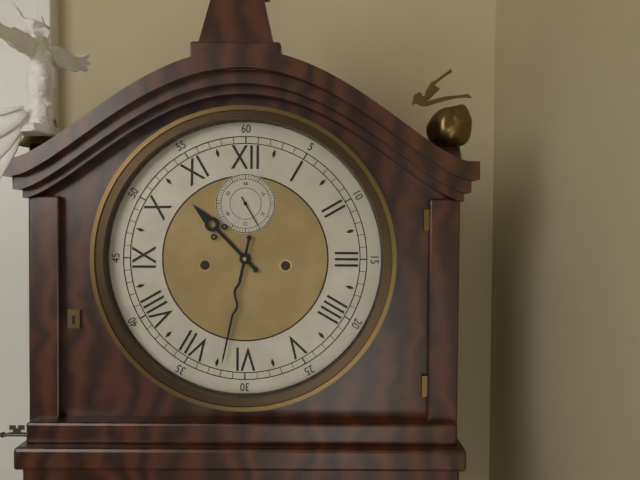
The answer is 10:32
